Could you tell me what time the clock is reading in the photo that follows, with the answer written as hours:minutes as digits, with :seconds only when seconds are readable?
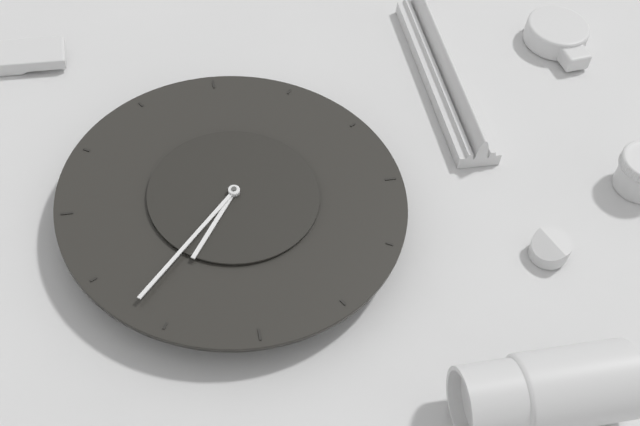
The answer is 1:07
